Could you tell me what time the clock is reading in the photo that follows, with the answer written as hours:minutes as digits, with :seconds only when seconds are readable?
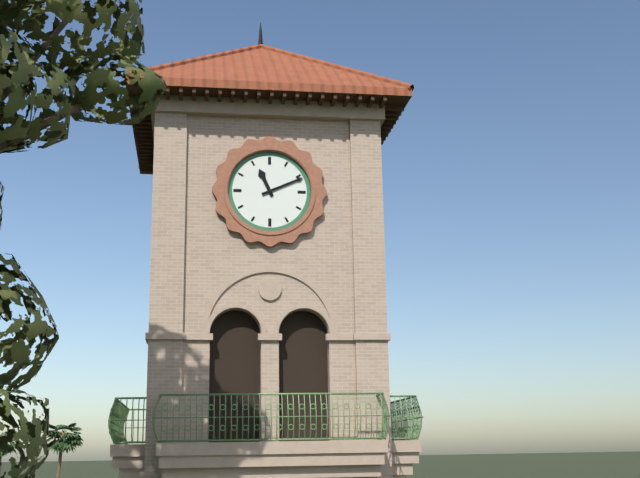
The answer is 11:11
